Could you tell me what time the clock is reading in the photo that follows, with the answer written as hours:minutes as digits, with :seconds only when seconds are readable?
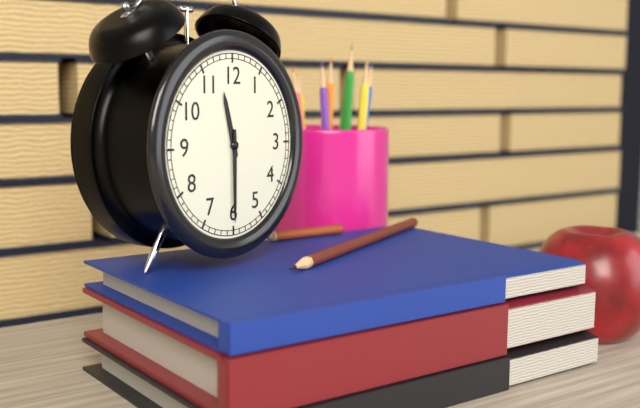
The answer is 11:30
